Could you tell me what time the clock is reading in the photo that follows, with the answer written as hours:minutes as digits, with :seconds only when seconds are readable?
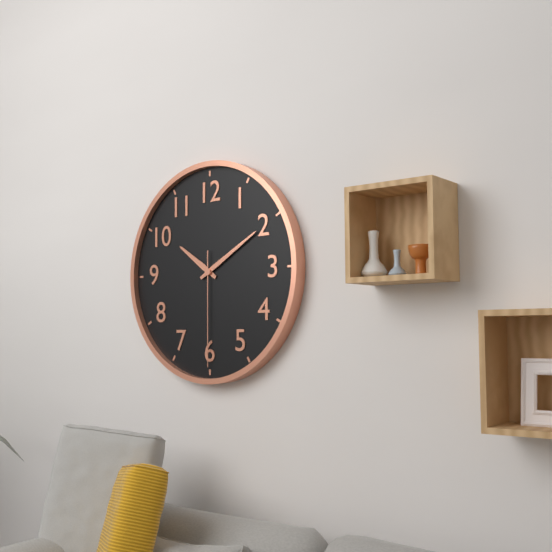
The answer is 10:10:30
